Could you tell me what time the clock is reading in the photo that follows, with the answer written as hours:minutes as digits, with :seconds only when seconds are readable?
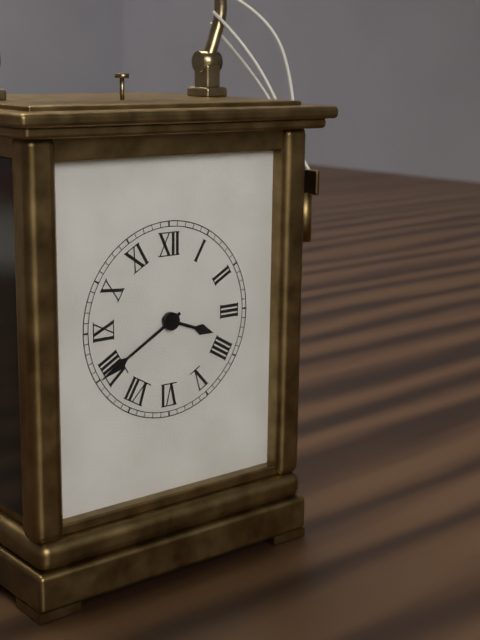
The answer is 3:40
